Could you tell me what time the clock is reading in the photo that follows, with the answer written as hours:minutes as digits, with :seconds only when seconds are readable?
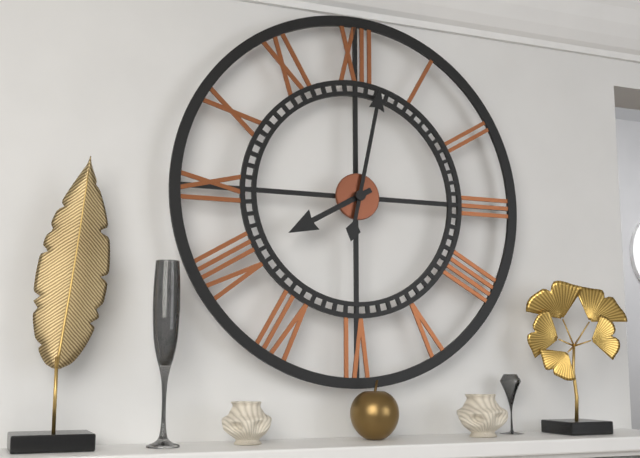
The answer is 8:02
